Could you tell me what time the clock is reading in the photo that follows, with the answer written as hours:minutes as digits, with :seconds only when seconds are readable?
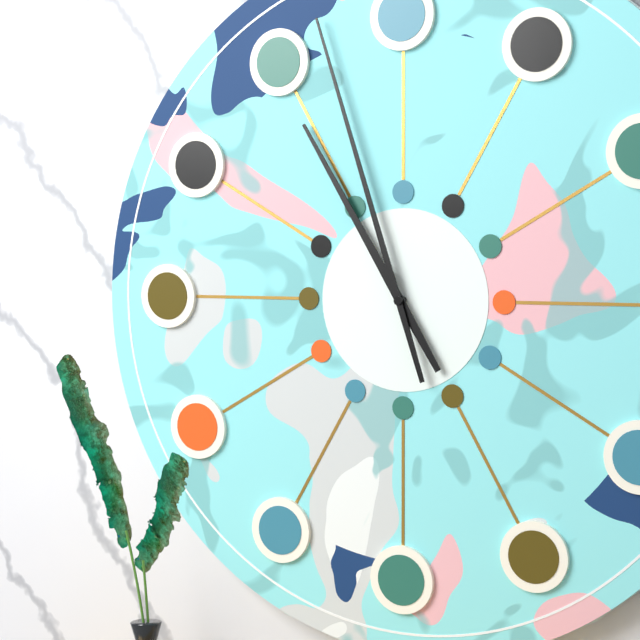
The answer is 10:57
